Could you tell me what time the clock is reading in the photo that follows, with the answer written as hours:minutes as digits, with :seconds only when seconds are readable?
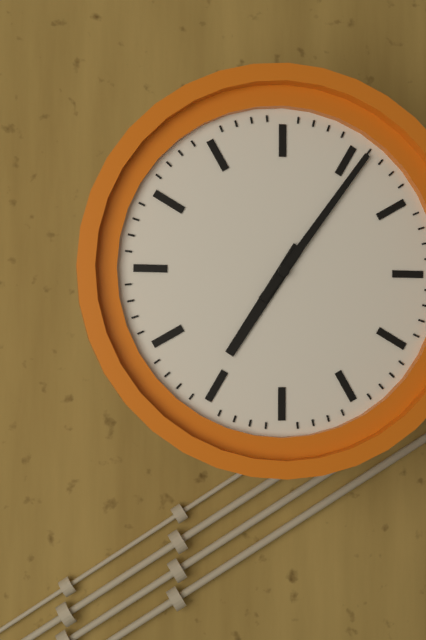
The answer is 7:06
